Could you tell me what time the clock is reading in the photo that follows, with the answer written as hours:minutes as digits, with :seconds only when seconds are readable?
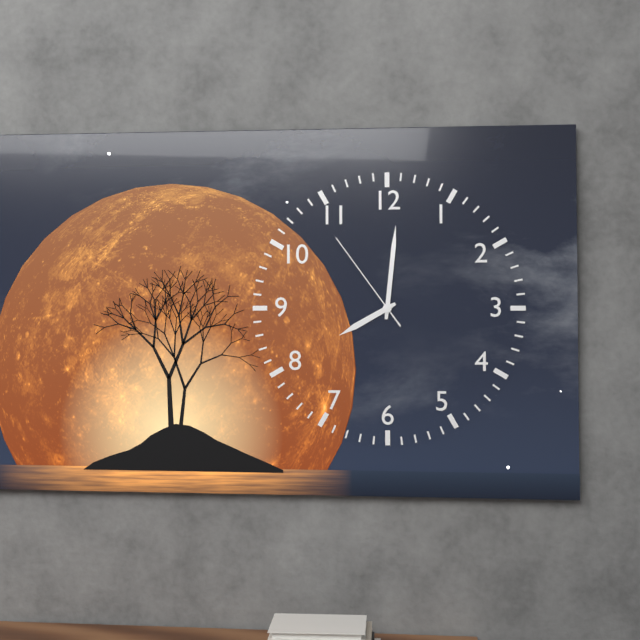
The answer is 8:01:54
